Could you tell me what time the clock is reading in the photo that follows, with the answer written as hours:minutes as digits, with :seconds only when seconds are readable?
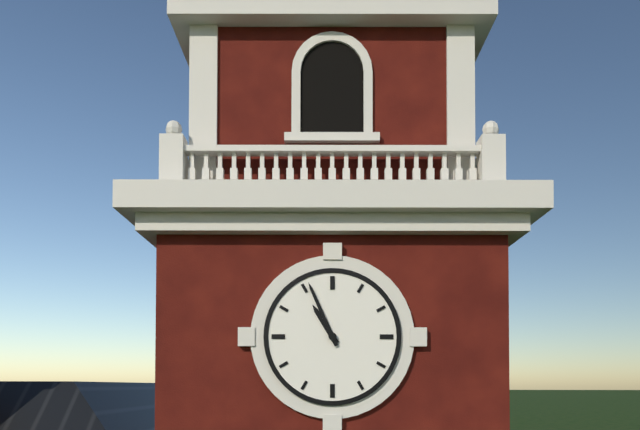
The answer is 10:56
